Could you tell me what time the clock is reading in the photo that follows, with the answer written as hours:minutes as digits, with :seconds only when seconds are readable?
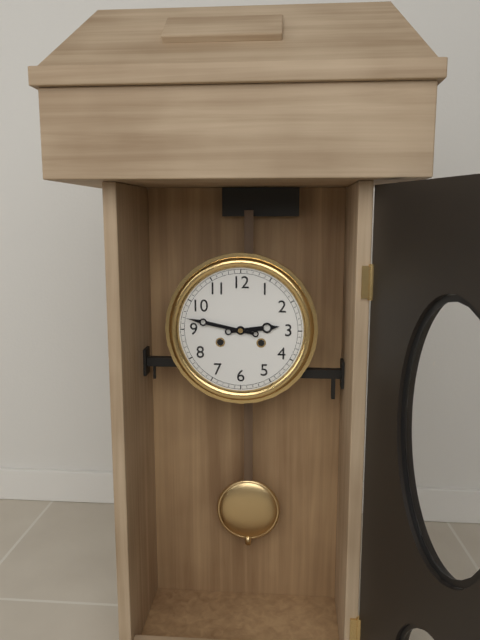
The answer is 2:47
